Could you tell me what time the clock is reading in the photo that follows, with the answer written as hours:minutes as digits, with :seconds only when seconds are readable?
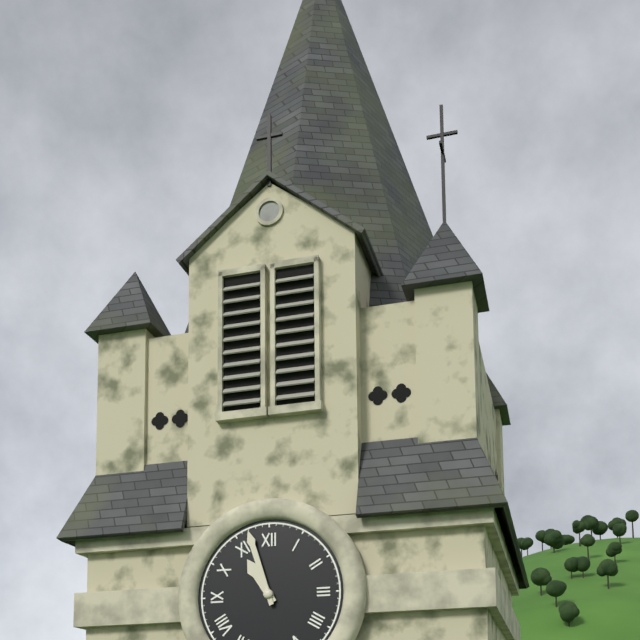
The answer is 10:57
